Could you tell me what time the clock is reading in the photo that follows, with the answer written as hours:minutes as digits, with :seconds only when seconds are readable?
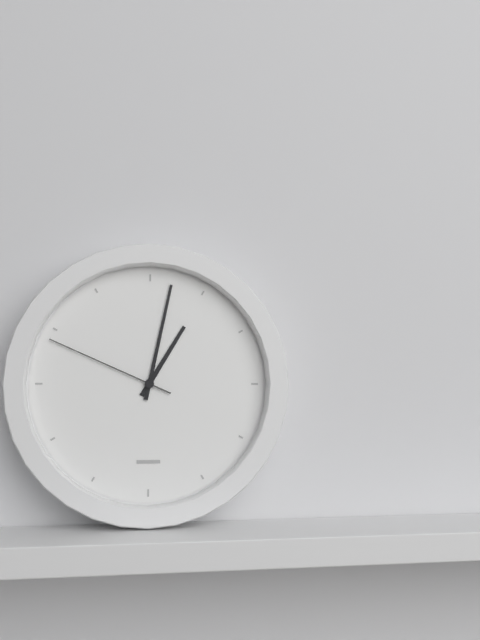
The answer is 1:02:49
